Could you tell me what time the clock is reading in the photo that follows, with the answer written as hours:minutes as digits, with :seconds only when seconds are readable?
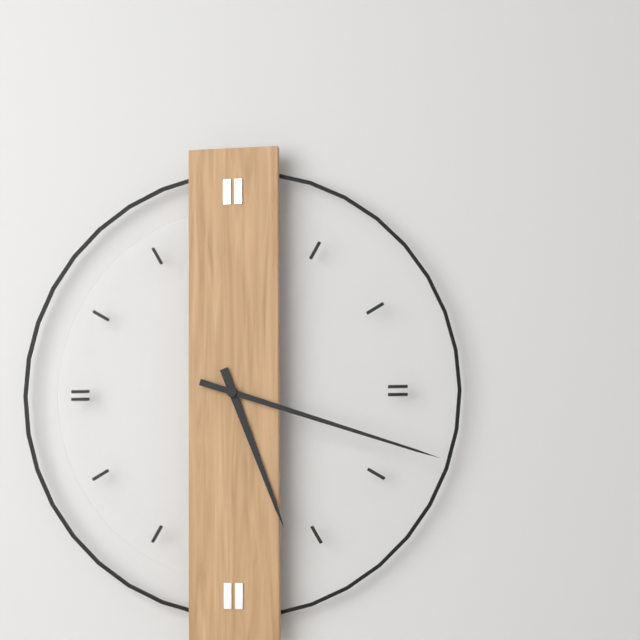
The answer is 5:18
